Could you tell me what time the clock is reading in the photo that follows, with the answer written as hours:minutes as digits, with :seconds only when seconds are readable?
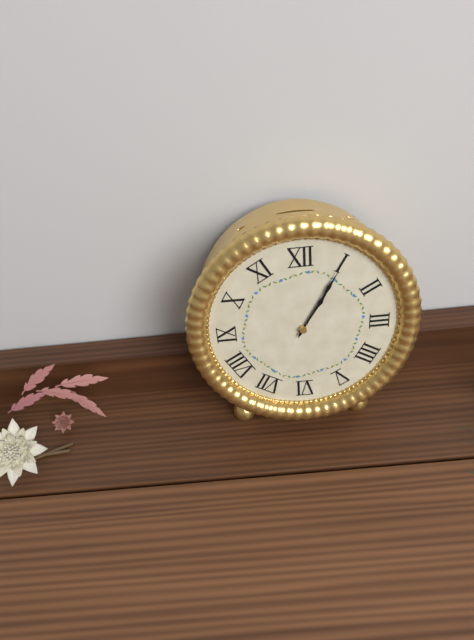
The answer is 1:05
